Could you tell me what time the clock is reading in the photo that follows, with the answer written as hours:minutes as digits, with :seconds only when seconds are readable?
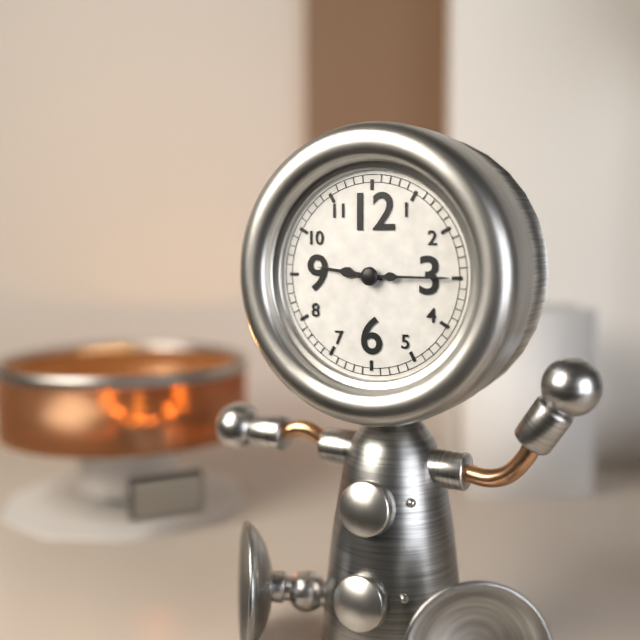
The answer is 9:15
